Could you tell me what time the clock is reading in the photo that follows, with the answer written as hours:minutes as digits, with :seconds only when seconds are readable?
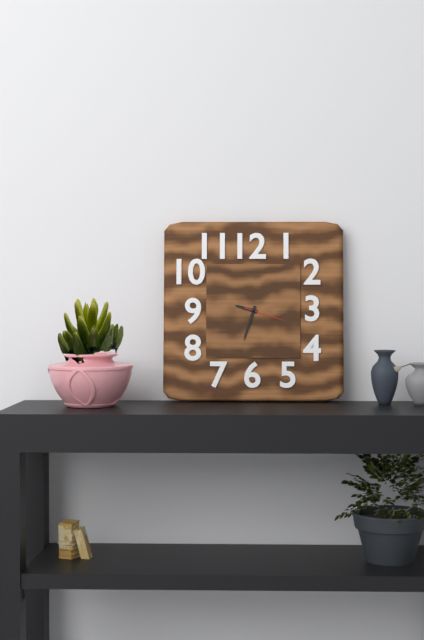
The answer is 9:33
